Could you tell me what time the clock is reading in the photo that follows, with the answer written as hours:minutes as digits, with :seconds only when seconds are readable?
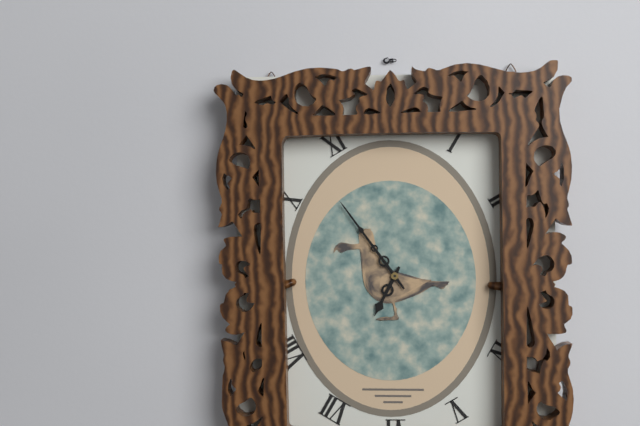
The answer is 6:54
